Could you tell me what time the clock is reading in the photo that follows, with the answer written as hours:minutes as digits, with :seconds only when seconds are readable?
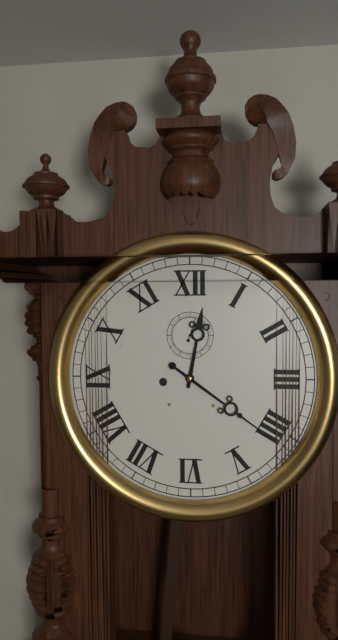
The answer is 12:21
